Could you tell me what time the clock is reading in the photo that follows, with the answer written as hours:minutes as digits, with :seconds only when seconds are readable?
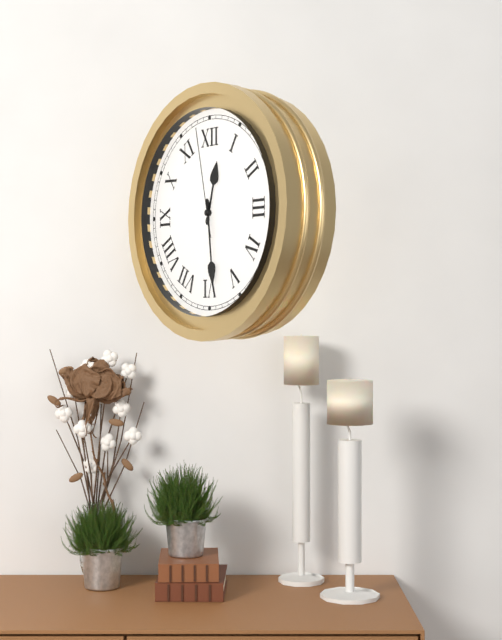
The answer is 12:29:58
